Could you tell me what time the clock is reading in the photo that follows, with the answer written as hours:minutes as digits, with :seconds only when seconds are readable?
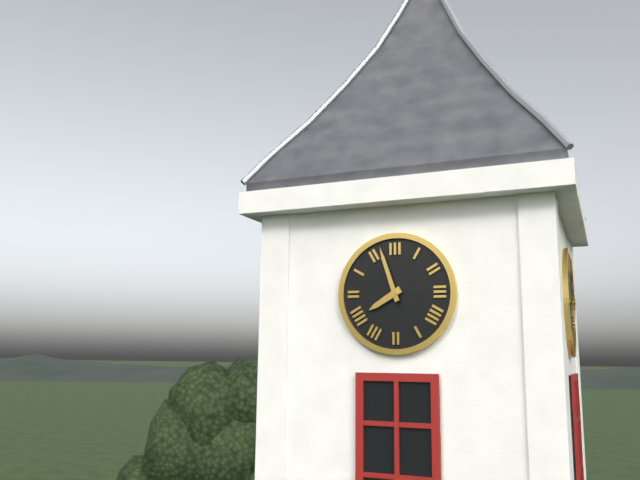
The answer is 7:57
